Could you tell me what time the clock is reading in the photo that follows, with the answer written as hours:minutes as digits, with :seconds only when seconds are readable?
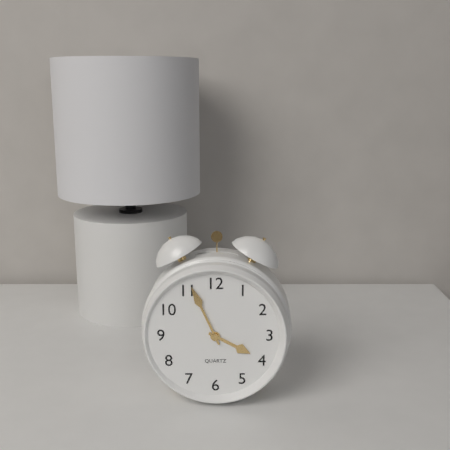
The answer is 3:56
